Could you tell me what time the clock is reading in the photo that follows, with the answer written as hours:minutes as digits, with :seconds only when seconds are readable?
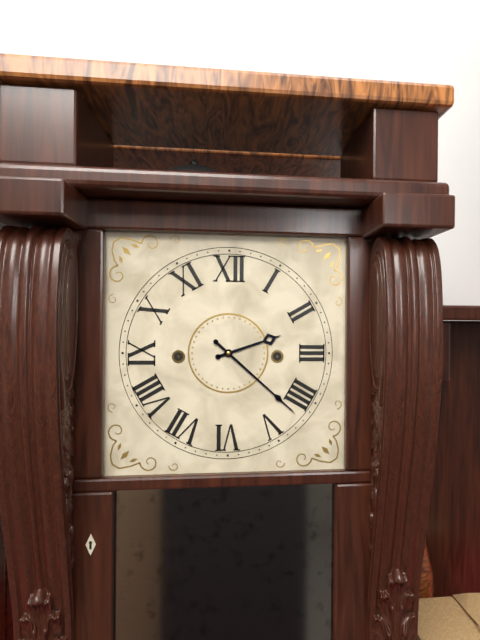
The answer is 2:22
